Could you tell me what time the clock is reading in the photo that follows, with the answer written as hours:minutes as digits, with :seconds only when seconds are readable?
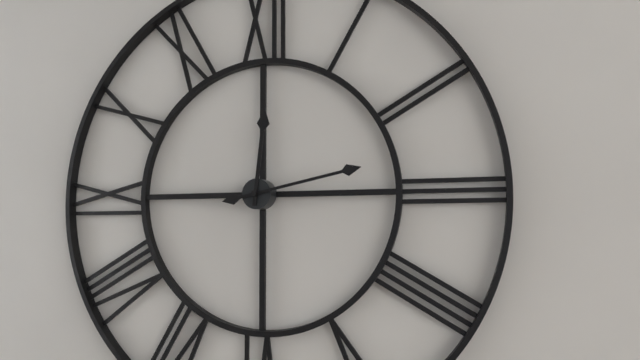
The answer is 12:13
